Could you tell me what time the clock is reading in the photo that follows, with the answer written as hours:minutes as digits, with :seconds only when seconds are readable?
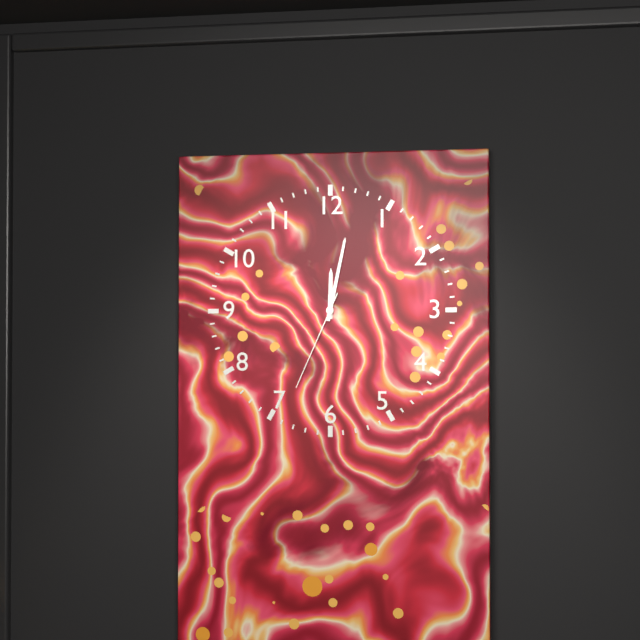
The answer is 12:02:34
